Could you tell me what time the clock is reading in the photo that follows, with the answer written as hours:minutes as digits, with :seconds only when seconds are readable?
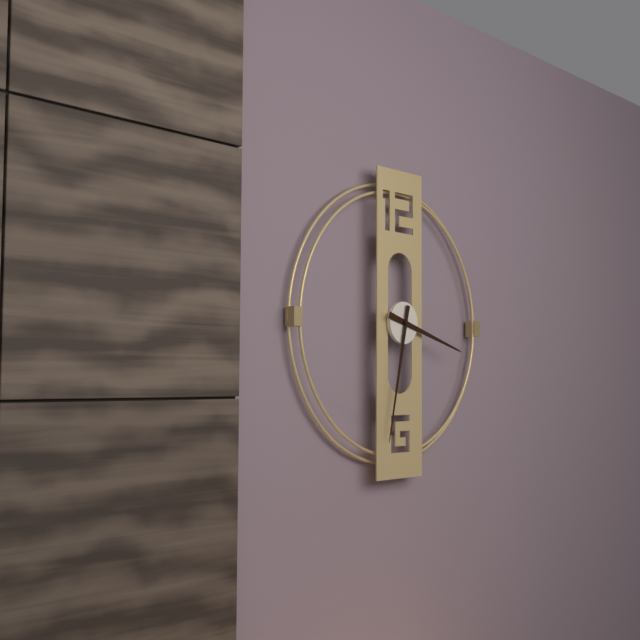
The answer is 3:32
